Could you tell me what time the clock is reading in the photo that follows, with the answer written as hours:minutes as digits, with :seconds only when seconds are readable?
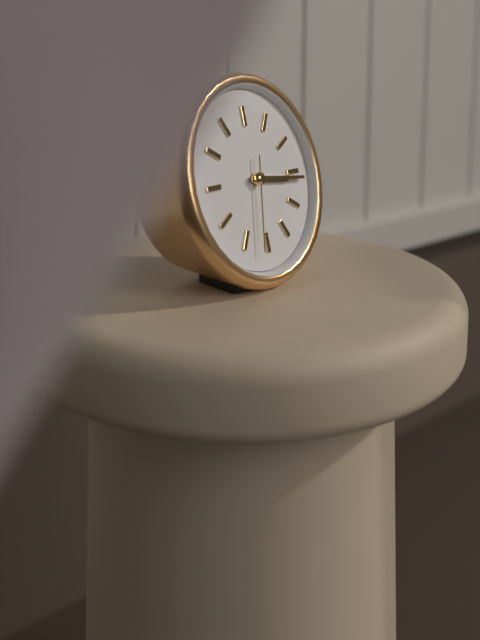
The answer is 3:16:32
